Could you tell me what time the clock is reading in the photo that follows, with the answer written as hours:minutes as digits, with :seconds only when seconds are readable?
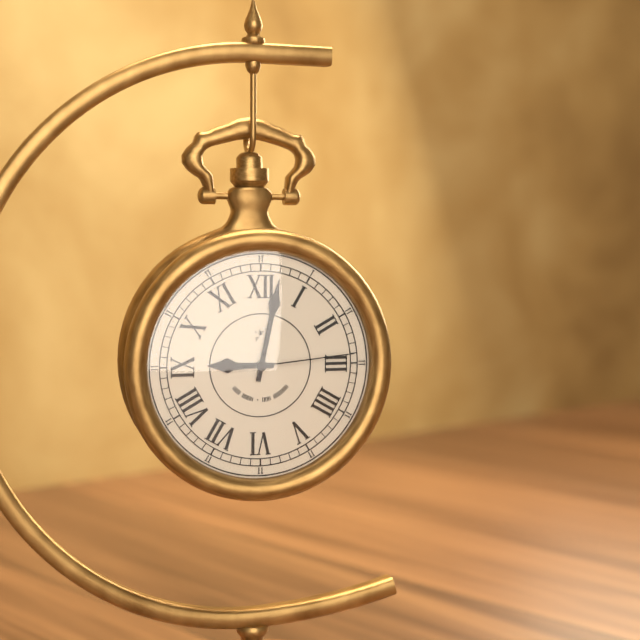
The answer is 9:02:14
